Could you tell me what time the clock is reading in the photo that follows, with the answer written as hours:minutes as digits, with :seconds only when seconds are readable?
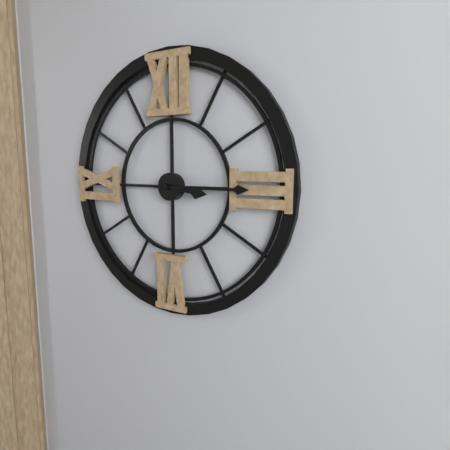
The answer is 3:15
